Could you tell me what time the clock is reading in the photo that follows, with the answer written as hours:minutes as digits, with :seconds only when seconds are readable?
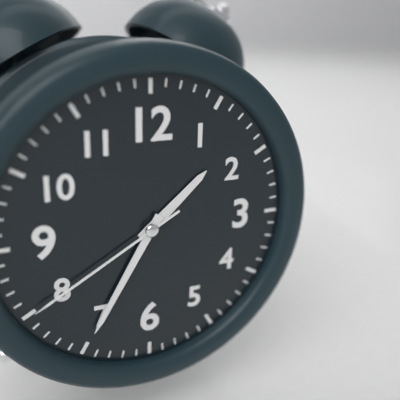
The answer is 1:35:40
